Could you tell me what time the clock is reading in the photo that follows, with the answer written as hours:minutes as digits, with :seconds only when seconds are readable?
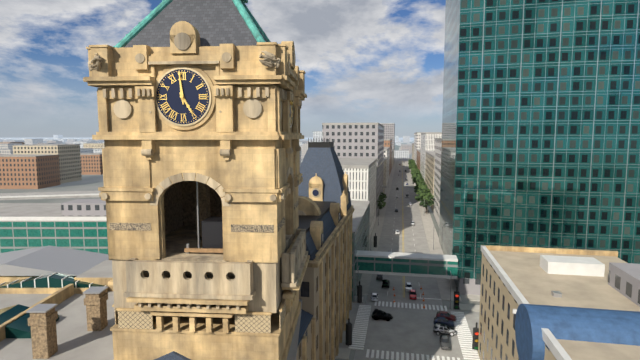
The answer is 4:59
